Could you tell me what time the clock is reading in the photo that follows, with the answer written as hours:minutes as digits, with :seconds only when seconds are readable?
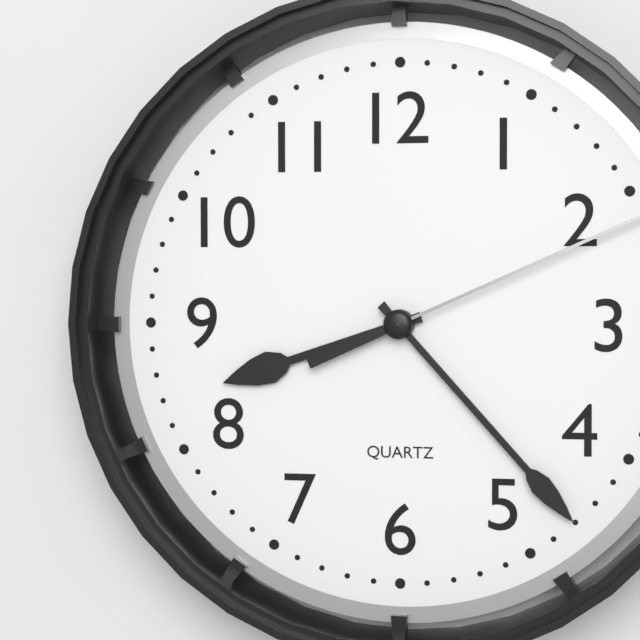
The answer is 8:23
